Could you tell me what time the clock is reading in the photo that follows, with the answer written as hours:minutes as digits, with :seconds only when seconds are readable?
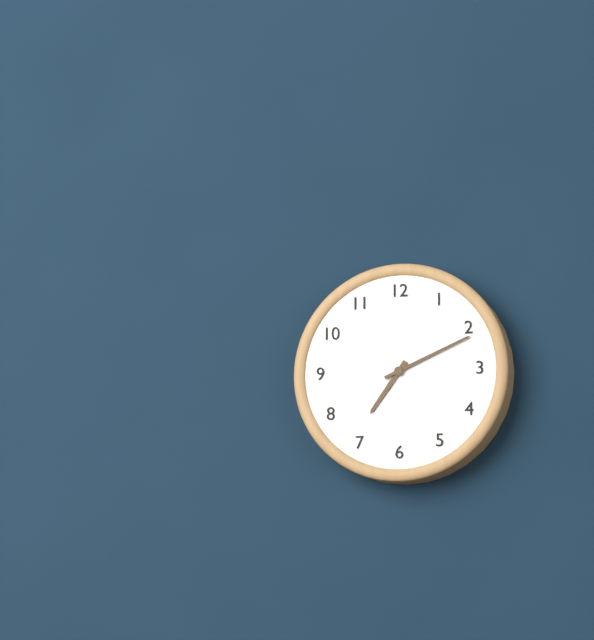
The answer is 7:11
